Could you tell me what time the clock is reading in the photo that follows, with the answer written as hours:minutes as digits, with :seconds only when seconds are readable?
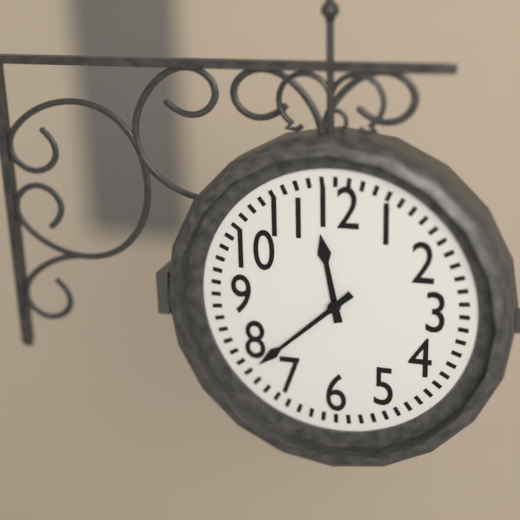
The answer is 11:38
